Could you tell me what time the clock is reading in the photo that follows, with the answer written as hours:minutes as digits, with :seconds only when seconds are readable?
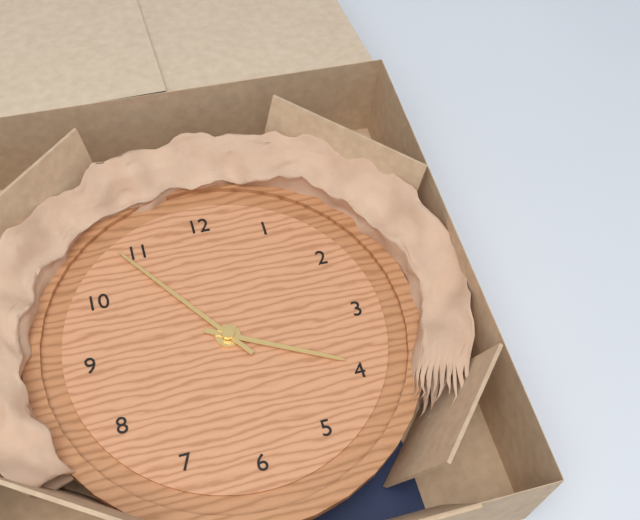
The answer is 3:54
